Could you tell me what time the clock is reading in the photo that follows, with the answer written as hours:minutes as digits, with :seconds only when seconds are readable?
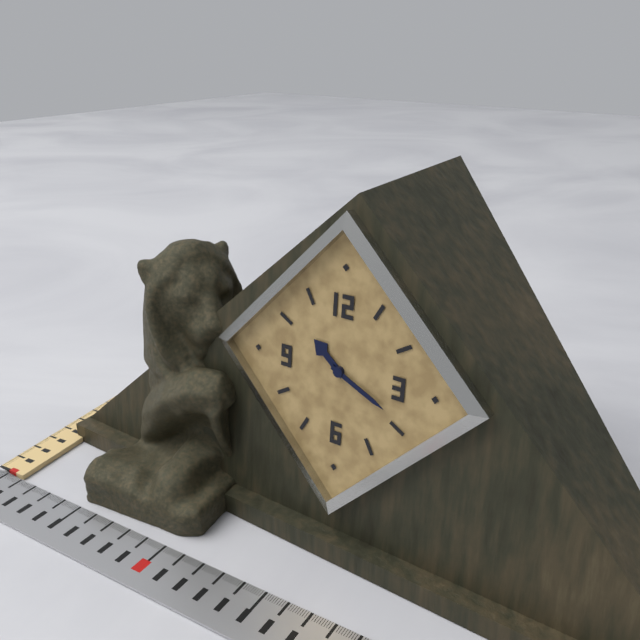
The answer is 10:19
